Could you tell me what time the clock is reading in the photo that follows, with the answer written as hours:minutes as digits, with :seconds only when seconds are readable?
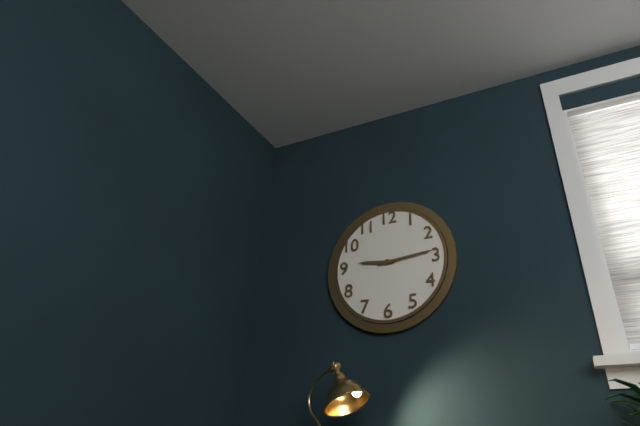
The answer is 9:14
